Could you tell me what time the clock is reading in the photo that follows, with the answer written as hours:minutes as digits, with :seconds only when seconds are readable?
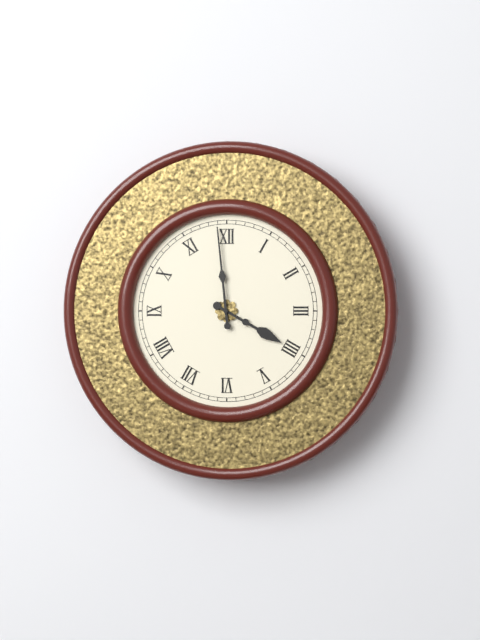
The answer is 3:59
